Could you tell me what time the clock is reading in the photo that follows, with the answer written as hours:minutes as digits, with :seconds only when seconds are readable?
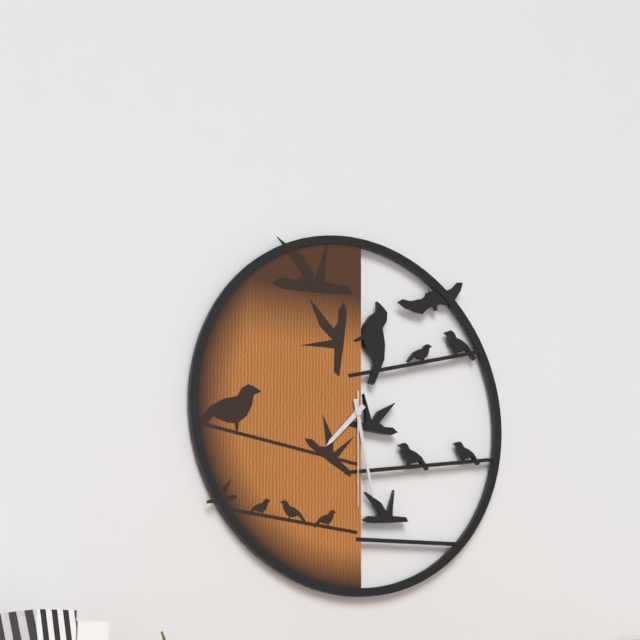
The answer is 7:28:30
